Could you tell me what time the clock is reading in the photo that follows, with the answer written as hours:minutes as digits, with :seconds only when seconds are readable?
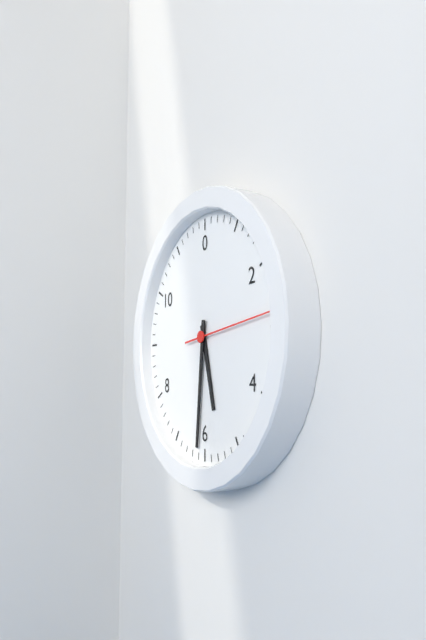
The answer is 5:31:14
